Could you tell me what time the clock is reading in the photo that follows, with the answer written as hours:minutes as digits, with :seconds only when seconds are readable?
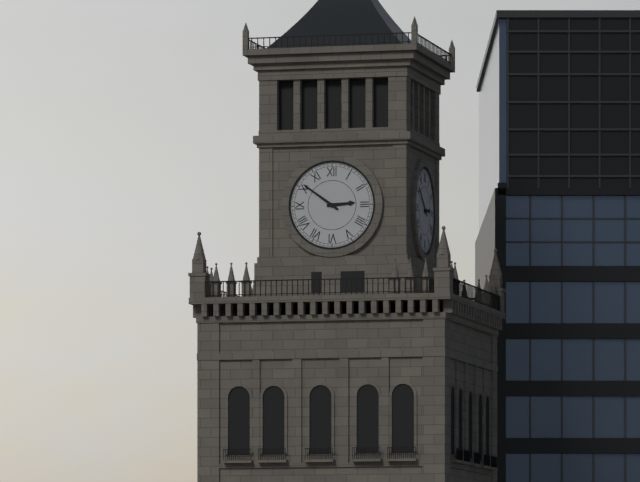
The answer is 2:51
